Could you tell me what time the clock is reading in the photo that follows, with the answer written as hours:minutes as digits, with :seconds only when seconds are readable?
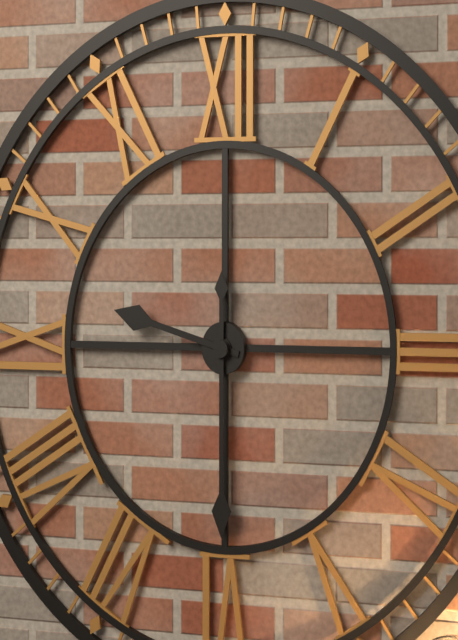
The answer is 9:30
